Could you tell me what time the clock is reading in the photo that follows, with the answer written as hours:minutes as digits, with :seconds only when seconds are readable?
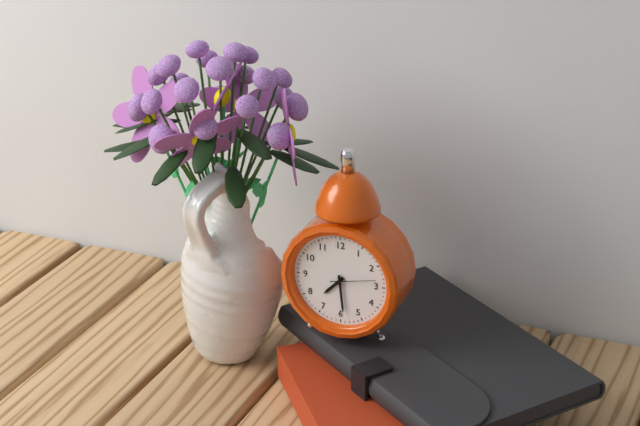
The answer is 7:29
